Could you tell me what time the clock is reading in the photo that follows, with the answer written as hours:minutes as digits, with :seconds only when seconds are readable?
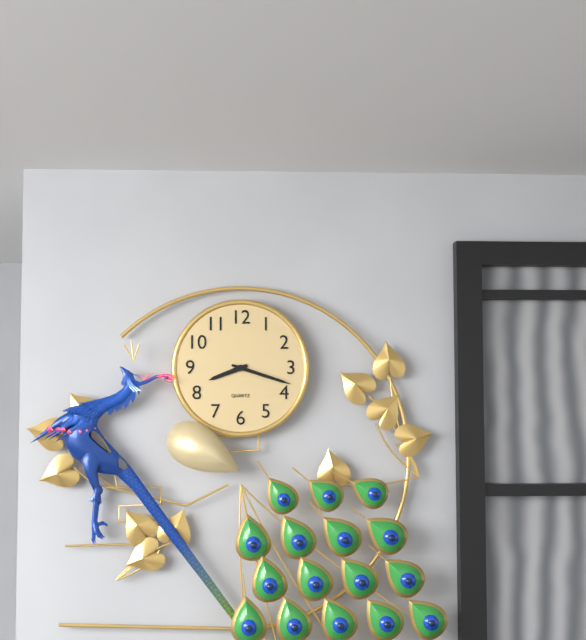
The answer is 8:18
